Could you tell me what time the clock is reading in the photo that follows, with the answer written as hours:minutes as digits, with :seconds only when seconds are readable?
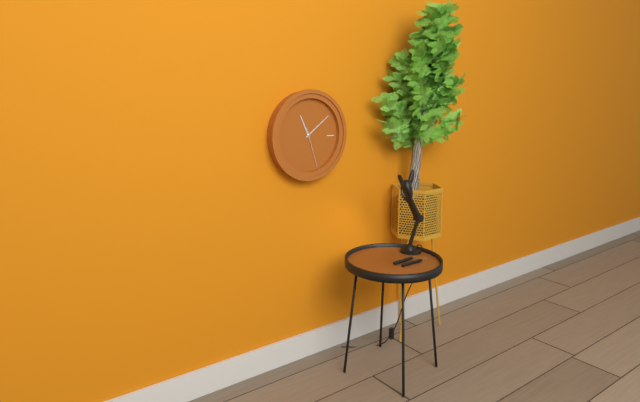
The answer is 11:09
